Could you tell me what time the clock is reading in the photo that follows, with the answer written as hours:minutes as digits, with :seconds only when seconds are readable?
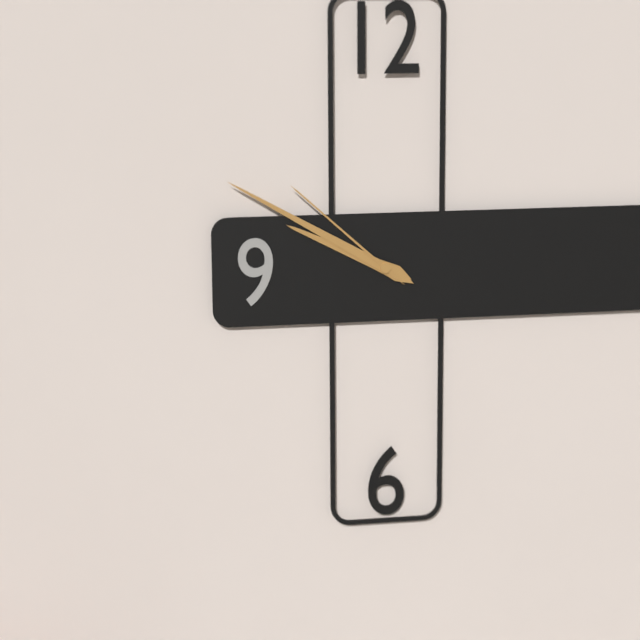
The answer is 9:50:52
